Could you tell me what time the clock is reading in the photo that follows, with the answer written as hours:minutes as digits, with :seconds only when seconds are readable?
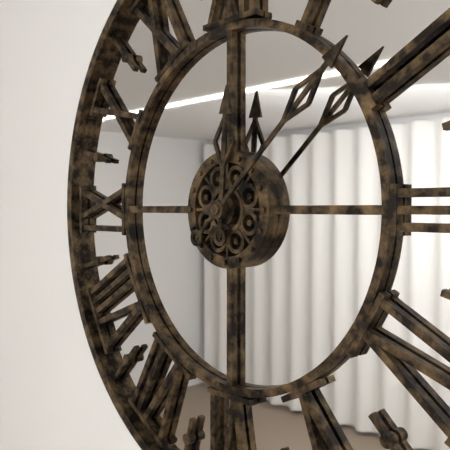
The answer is 12:08
